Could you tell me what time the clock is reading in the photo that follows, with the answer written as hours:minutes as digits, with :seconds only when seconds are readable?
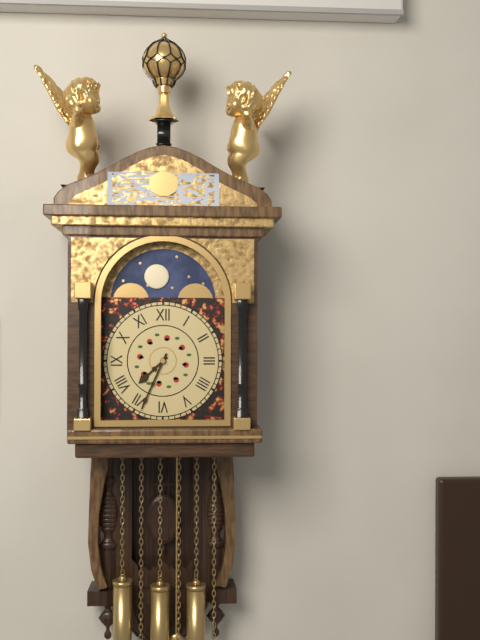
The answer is 7:34
